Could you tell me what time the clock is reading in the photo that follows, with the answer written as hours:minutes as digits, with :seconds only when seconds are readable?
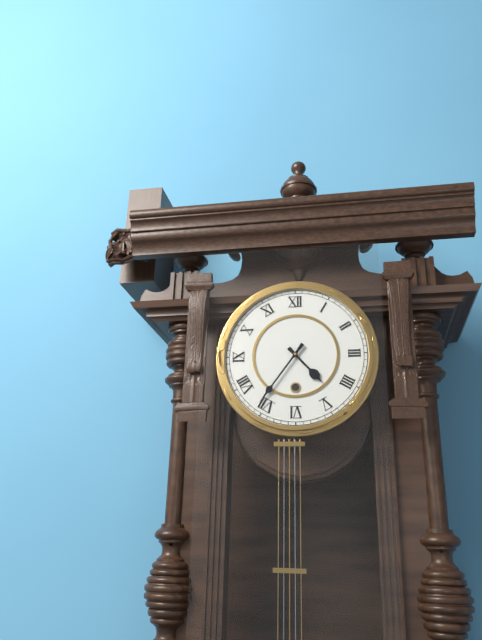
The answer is 4:36
